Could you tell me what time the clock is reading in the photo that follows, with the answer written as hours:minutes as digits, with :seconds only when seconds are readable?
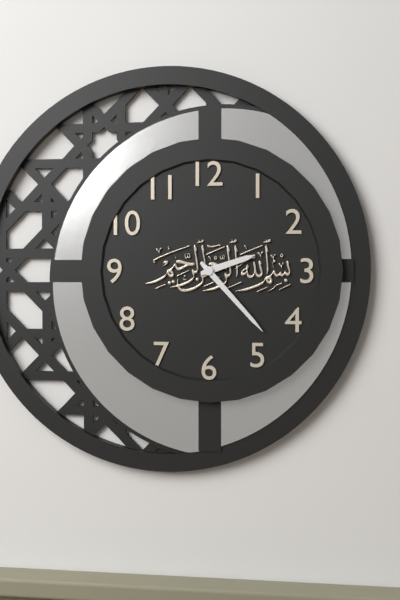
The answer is 2:23
